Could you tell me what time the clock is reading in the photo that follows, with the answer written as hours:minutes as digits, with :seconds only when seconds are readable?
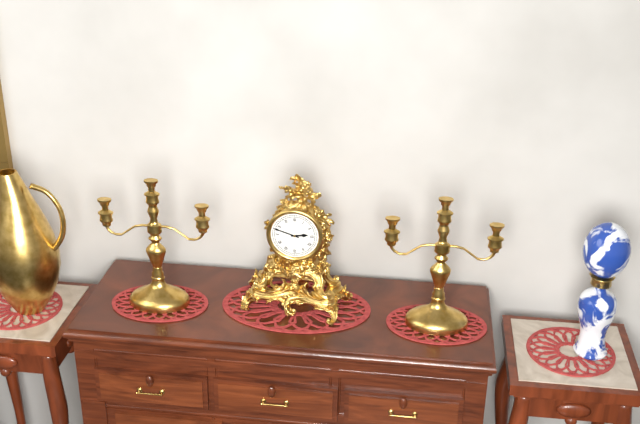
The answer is 2:48
